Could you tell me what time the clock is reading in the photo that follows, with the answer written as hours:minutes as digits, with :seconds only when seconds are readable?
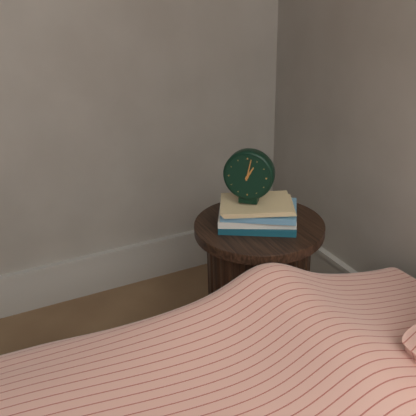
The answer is 1:02
